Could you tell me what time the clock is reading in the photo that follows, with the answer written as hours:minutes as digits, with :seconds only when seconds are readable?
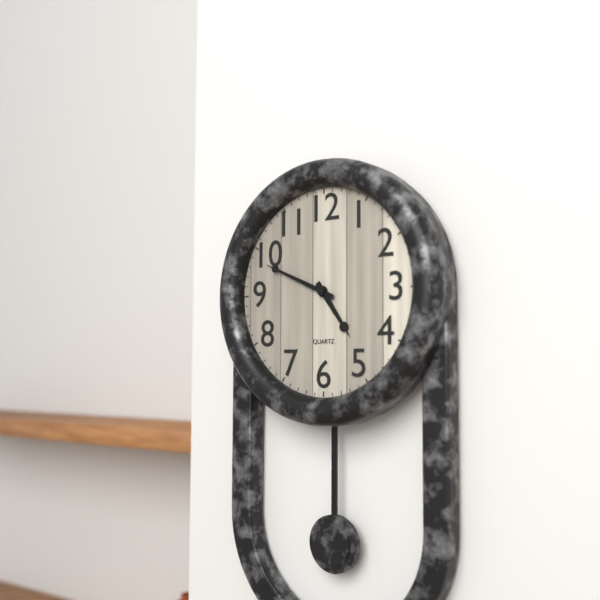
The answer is 4:49
